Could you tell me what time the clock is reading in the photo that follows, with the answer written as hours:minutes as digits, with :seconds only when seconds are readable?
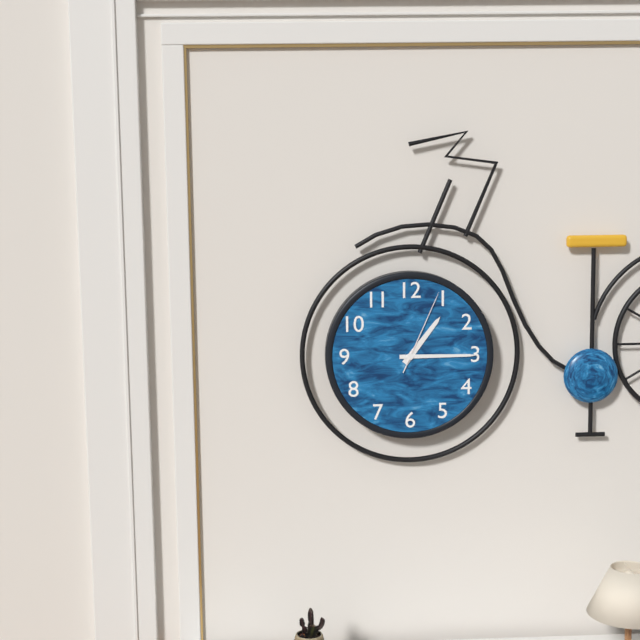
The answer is 1:15:04
